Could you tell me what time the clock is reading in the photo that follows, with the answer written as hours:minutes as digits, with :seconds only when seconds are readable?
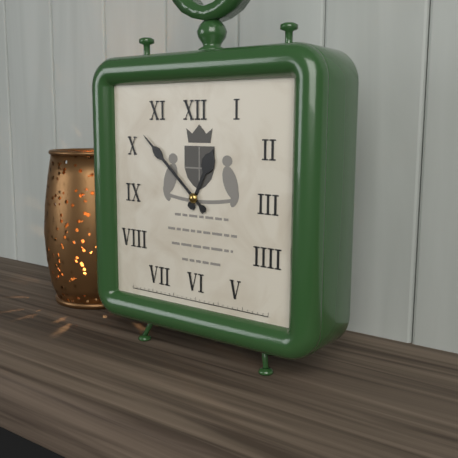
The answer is 12:52
